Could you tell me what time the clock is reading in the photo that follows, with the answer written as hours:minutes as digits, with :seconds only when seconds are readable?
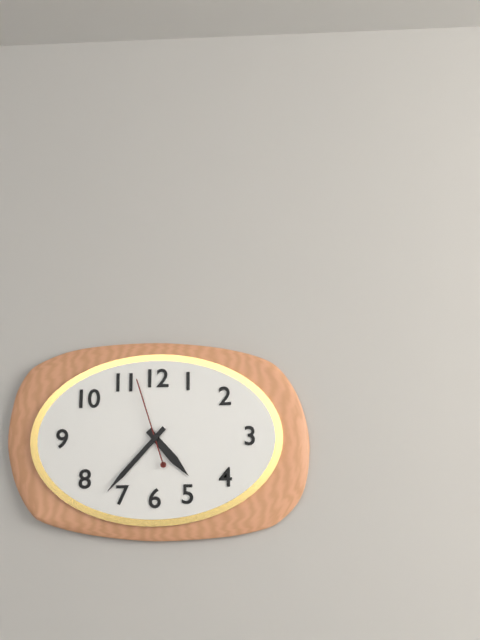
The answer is 4:37:57
